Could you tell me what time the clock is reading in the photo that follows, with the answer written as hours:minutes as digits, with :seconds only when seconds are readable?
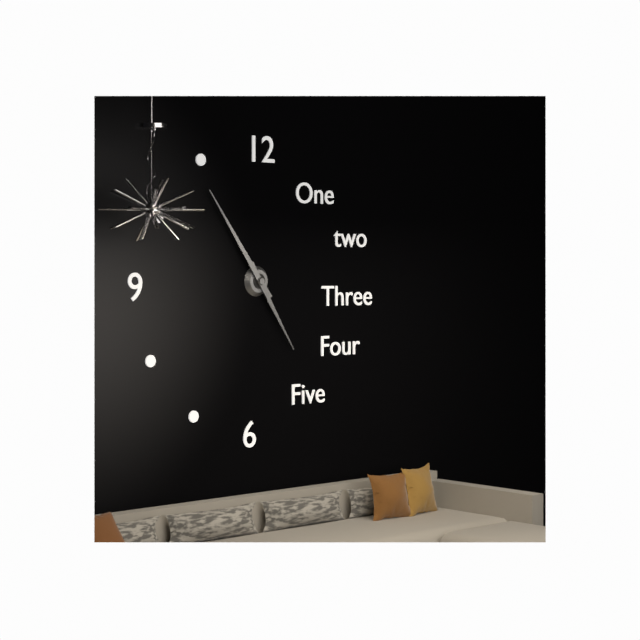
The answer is 4:54
